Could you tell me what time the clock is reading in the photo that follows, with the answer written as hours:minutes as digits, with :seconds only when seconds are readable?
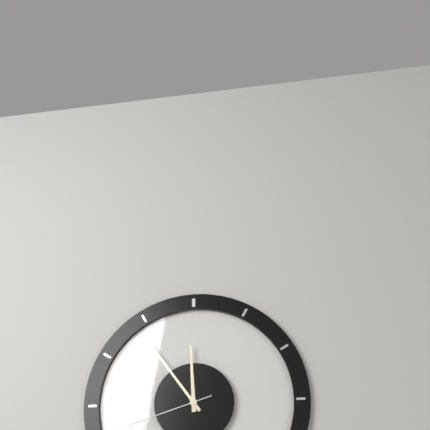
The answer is 11:54
